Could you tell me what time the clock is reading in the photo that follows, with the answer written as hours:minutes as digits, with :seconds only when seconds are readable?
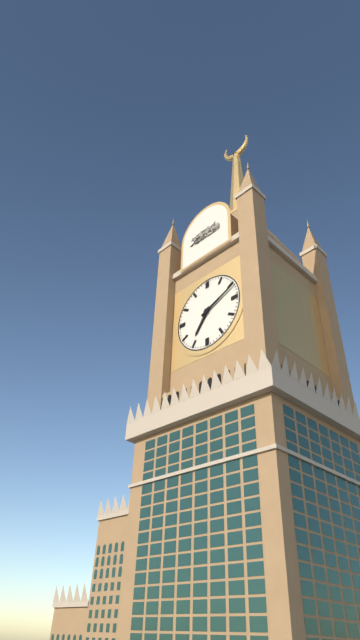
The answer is 7:11
